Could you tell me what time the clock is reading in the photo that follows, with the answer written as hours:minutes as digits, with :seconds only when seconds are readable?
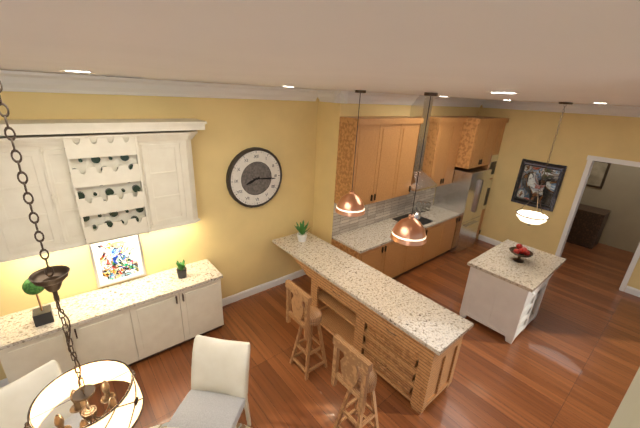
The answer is 8:16
